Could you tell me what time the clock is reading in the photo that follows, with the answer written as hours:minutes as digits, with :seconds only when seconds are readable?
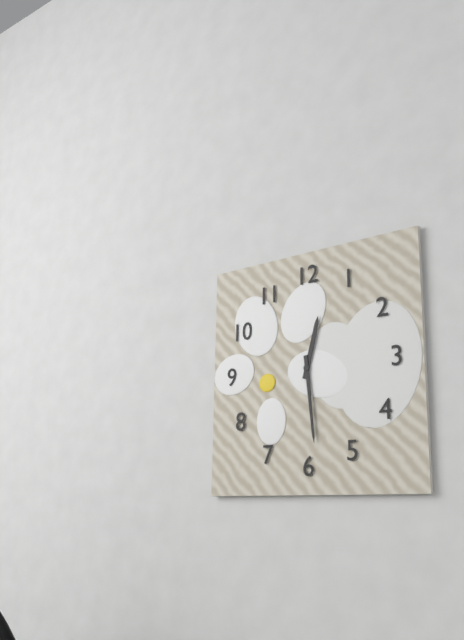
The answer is 12:29
